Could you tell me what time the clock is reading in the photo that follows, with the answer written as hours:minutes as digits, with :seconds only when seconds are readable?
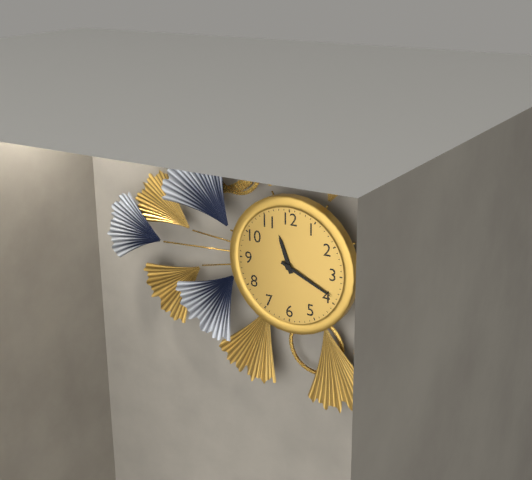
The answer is 11:19
